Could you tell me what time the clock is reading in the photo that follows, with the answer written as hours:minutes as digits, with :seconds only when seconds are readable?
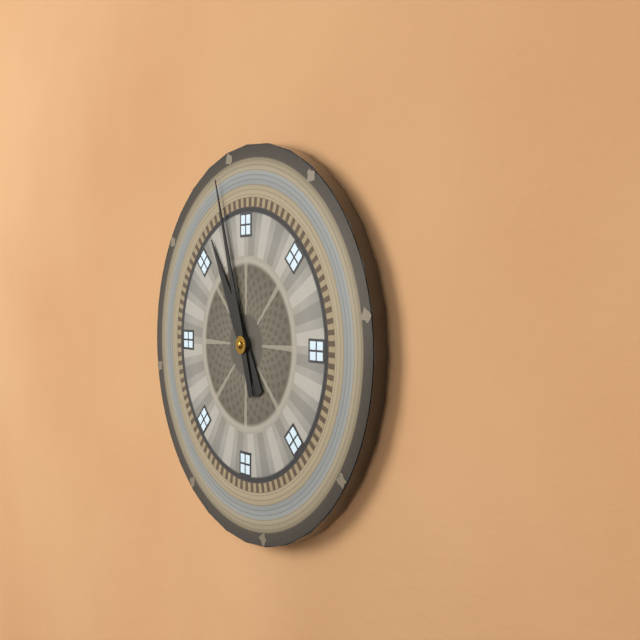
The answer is 10:57
